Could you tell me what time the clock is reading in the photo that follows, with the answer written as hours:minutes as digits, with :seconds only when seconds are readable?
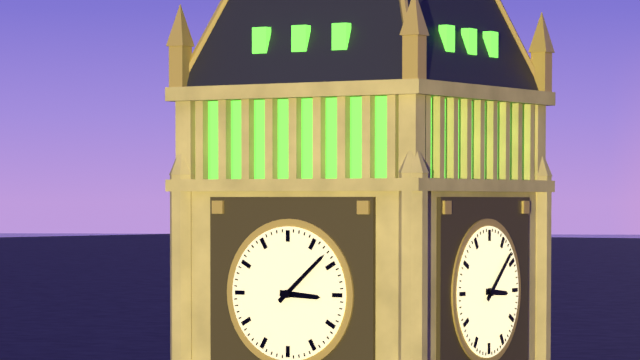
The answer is 3:08
